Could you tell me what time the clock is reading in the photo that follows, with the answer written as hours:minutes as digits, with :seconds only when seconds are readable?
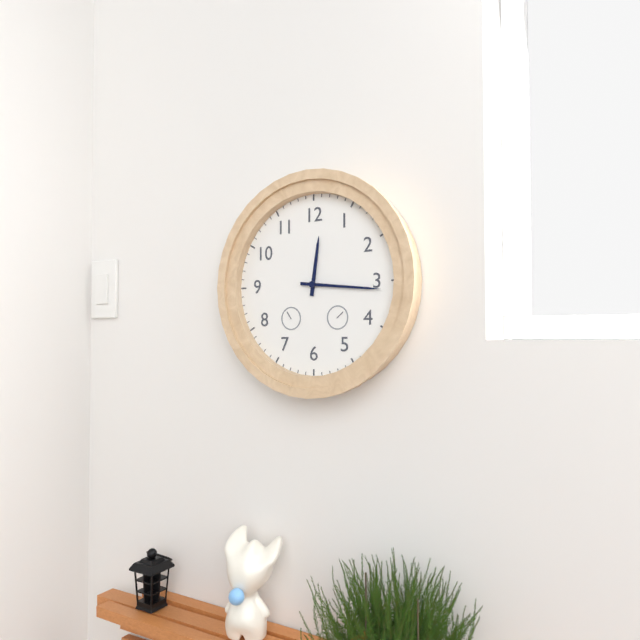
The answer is 12:16
